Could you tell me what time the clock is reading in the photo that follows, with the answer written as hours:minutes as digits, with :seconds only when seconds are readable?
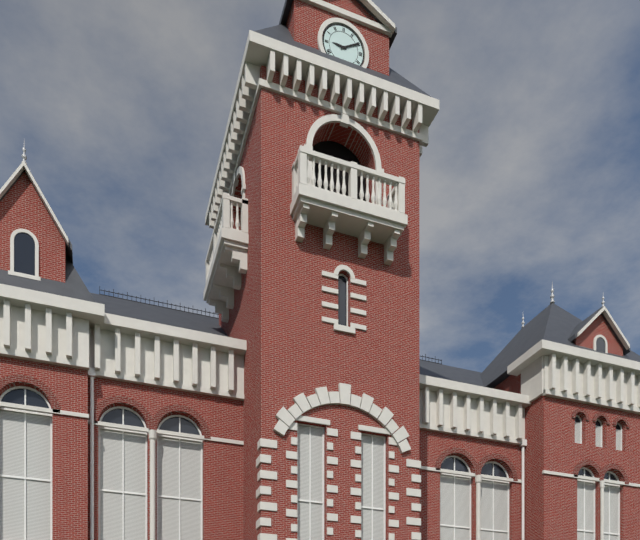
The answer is 9:10
